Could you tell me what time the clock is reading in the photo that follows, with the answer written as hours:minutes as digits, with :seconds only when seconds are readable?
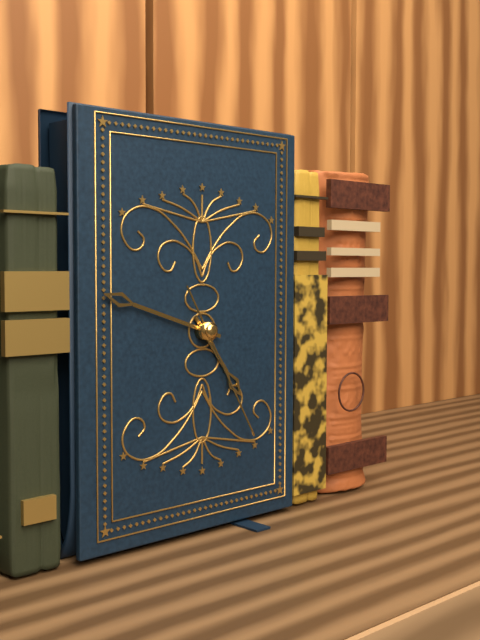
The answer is 4:48:25
